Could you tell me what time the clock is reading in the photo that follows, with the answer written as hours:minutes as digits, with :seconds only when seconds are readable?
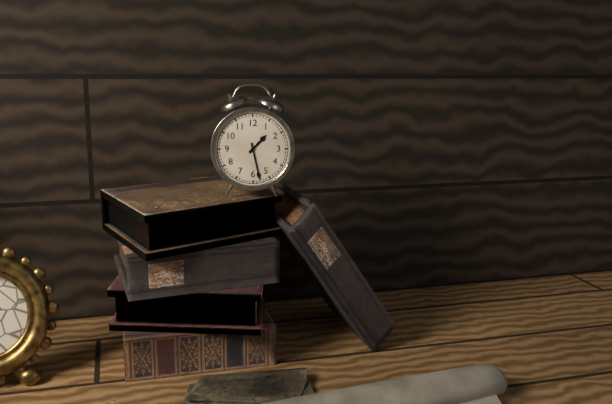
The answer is 1:28
